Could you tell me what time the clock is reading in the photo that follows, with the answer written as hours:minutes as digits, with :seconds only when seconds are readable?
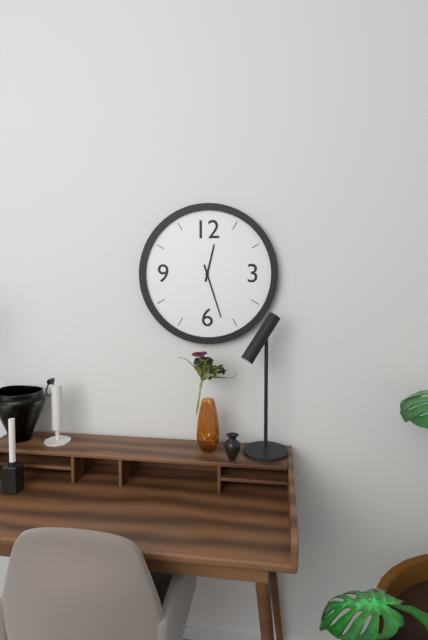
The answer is 12:27
